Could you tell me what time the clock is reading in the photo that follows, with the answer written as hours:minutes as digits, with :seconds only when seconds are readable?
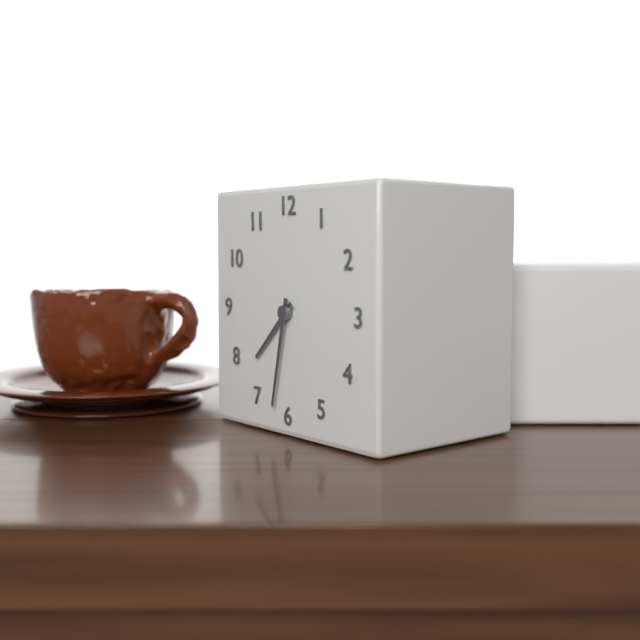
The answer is 7:32
